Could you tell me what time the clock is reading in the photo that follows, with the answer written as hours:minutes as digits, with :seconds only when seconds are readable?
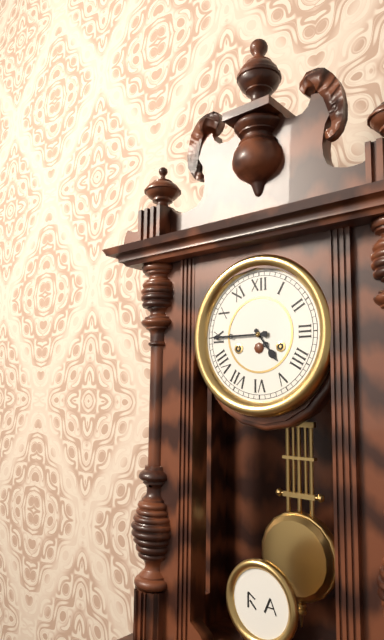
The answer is 4:45
